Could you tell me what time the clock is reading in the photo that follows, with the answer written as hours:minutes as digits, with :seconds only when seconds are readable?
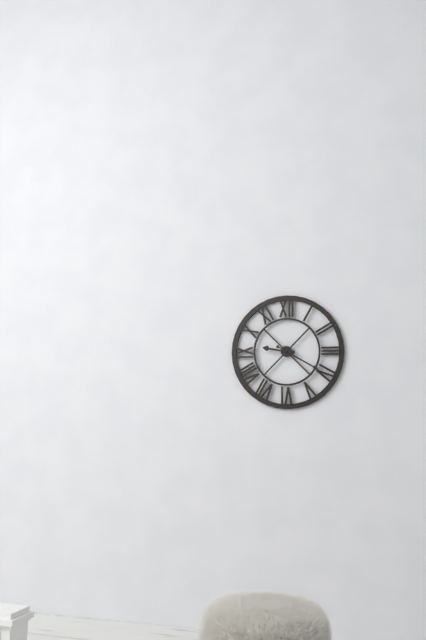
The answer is 9:20
